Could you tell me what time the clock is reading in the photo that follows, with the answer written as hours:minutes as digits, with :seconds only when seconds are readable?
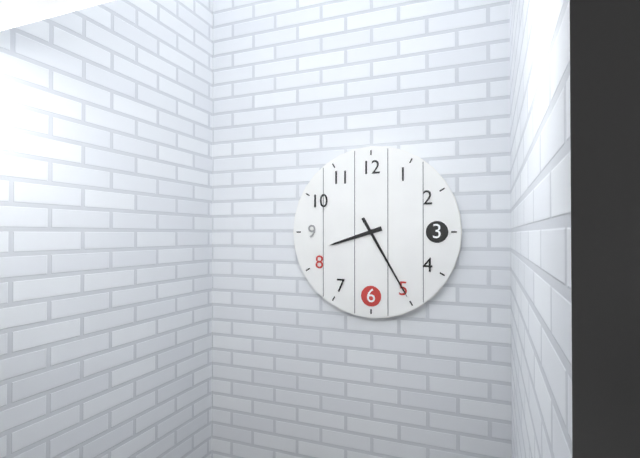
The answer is 8:25
